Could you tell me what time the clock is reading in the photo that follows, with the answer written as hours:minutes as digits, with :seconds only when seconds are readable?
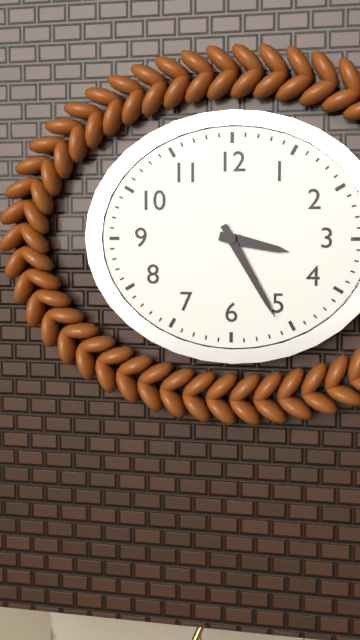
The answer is 3:25
